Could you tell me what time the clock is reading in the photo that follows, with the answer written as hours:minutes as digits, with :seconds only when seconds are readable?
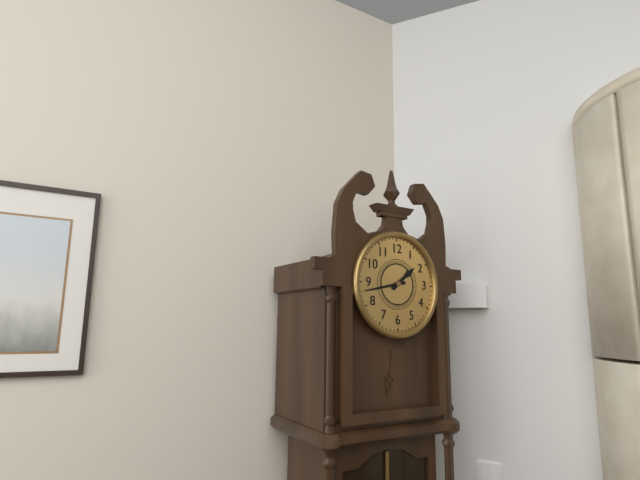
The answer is 1:43
